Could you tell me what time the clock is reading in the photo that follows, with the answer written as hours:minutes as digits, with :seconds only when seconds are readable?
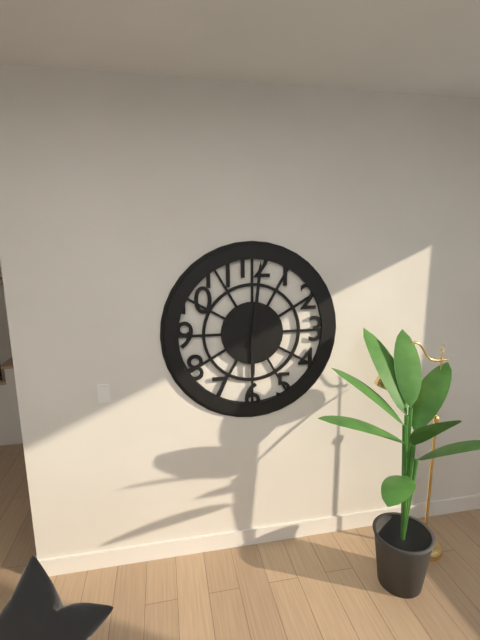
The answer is 6:01
